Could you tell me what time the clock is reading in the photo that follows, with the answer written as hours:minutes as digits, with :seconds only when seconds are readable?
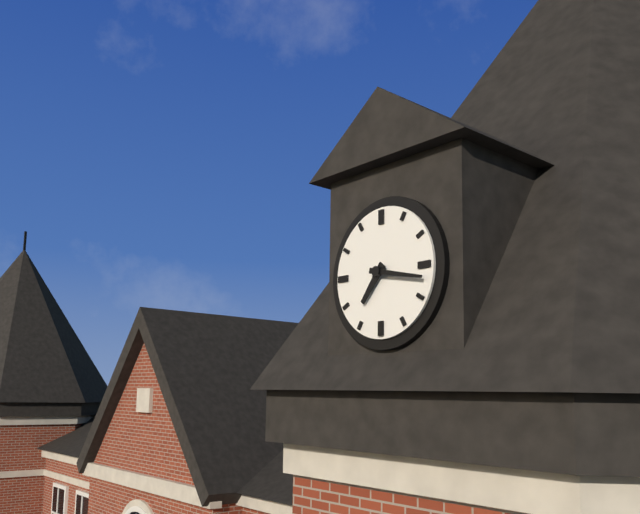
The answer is 7:17
